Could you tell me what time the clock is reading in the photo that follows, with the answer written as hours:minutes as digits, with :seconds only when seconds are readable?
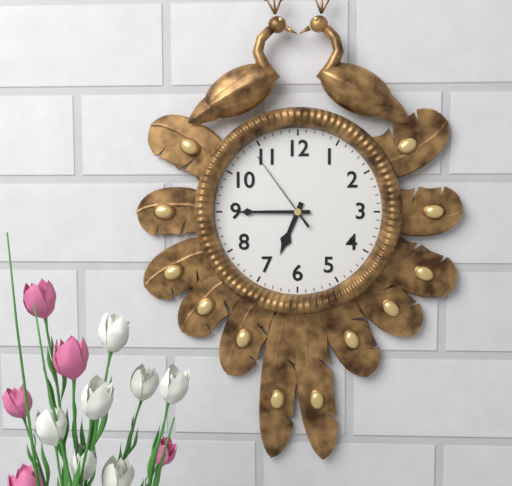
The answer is 6:45:54
